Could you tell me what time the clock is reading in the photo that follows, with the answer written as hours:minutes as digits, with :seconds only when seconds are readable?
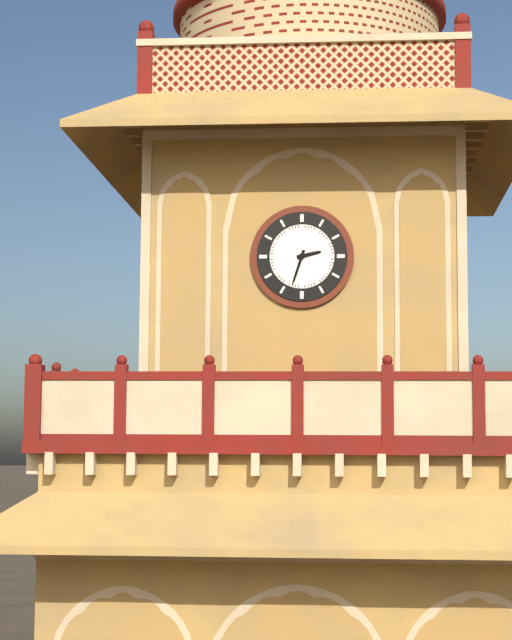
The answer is 2:33
